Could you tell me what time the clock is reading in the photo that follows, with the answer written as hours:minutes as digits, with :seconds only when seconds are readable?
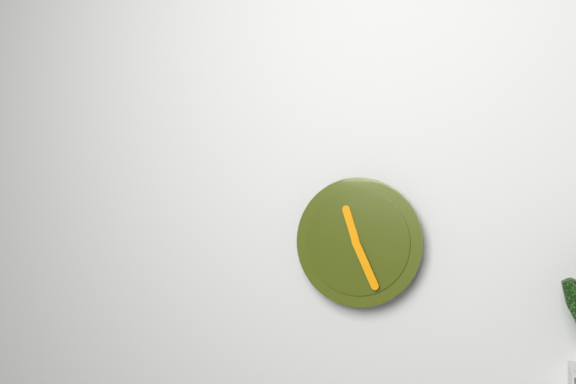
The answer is 11:26
